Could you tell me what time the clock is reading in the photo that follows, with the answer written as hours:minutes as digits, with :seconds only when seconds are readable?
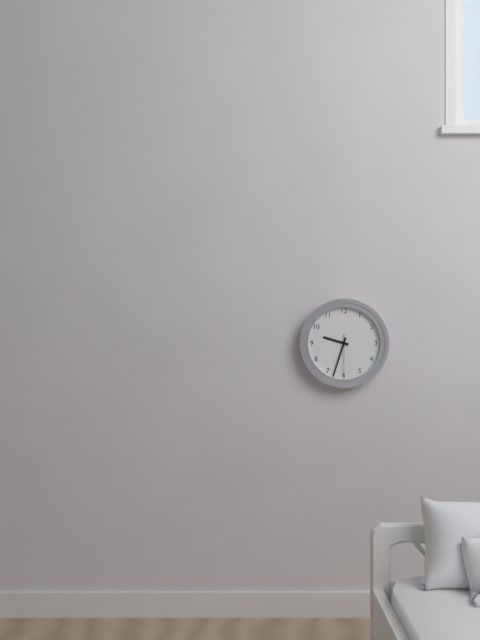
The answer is 9:33
